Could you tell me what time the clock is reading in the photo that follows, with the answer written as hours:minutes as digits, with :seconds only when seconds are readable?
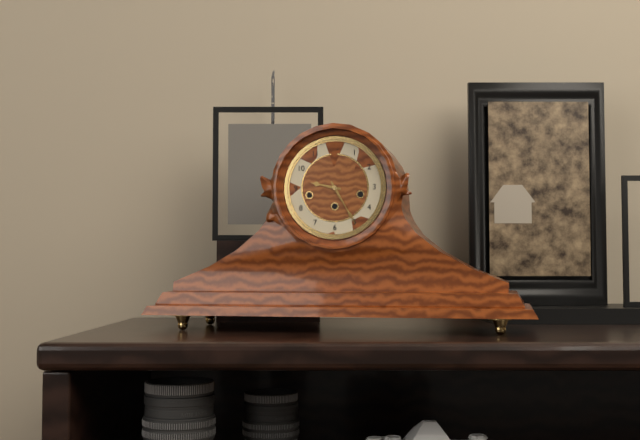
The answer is 9:25
